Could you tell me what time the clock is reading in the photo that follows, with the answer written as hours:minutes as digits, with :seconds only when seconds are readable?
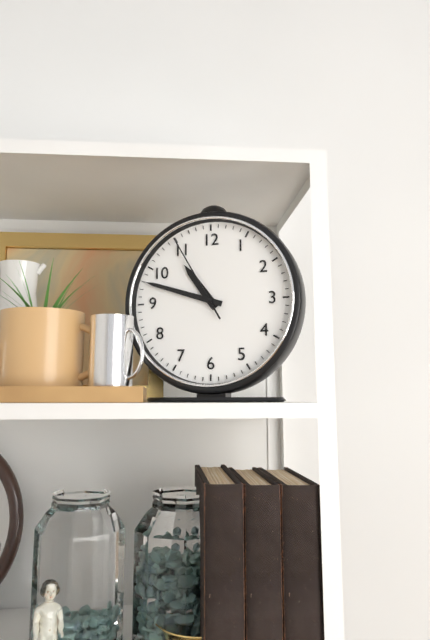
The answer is 10:48:55
